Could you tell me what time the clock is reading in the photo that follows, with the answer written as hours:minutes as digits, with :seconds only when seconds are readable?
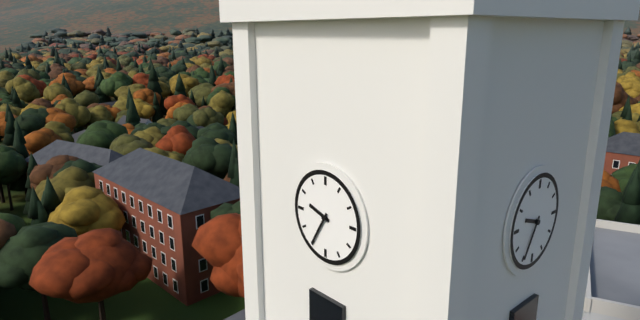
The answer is 9:35
